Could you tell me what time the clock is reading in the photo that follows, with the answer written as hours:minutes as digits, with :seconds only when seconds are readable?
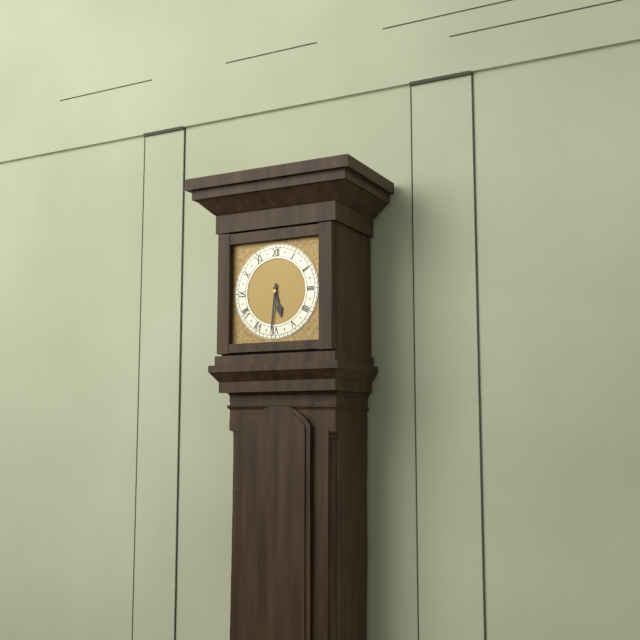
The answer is 5:31
